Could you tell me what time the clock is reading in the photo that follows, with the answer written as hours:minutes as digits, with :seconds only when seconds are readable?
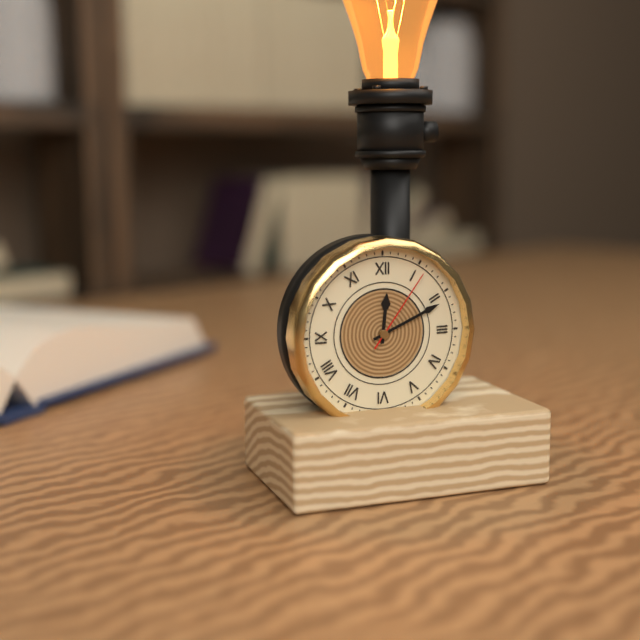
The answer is 12:11:06
